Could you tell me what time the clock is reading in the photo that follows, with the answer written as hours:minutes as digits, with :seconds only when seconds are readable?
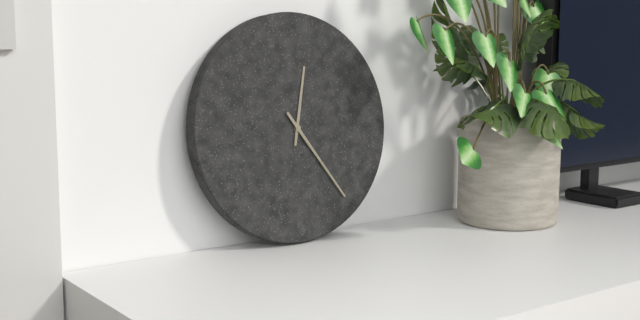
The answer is 12:24
